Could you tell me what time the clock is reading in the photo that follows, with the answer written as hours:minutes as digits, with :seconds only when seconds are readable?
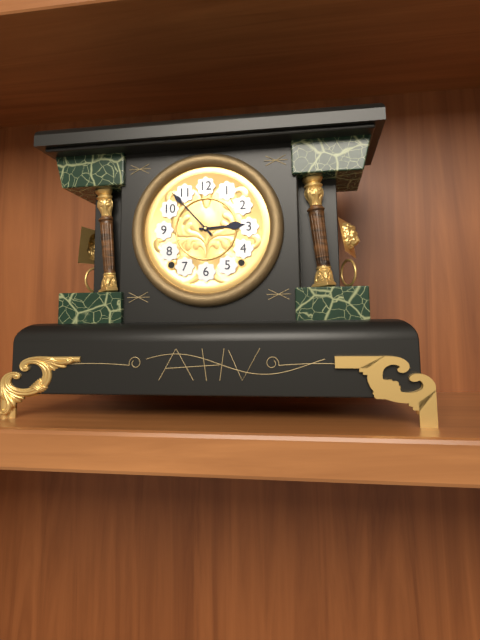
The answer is 2:53
